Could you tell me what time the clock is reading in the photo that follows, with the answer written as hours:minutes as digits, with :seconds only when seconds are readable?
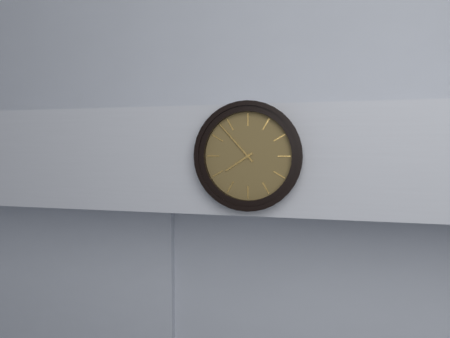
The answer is 7:53
